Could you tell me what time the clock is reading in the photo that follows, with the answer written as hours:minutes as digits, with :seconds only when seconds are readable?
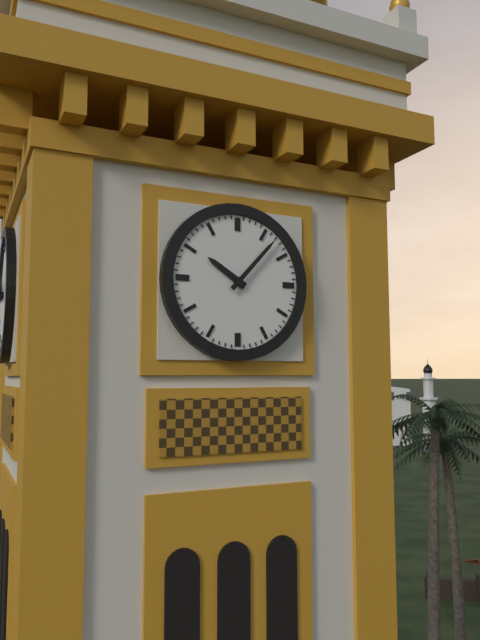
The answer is 10:07
